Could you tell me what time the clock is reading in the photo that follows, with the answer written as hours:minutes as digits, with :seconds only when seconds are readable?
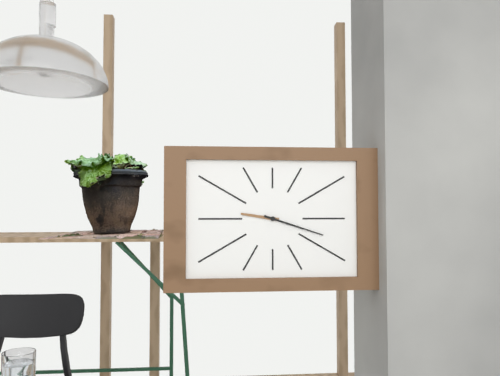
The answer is 9:18
